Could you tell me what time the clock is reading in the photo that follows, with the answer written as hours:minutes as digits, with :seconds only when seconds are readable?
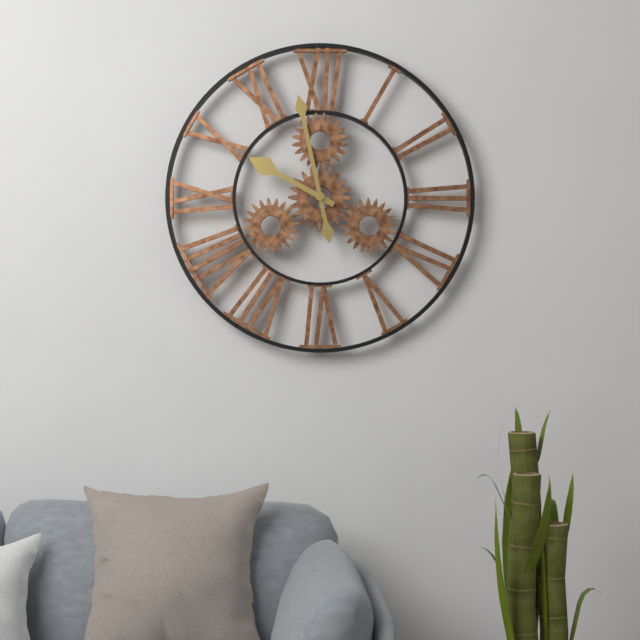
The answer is 9:58
